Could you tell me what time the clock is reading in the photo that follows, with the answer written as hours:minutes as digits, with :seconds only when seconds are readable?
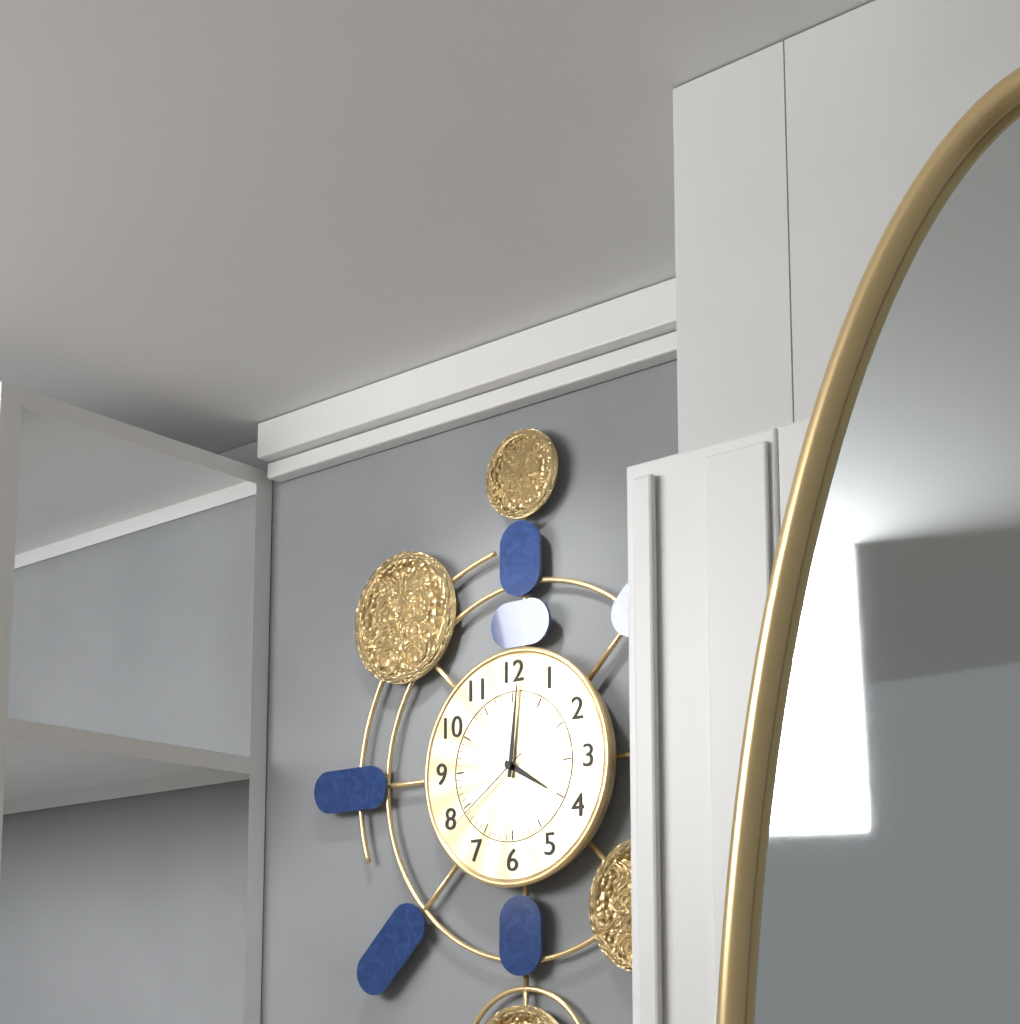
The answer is 4:01:39
